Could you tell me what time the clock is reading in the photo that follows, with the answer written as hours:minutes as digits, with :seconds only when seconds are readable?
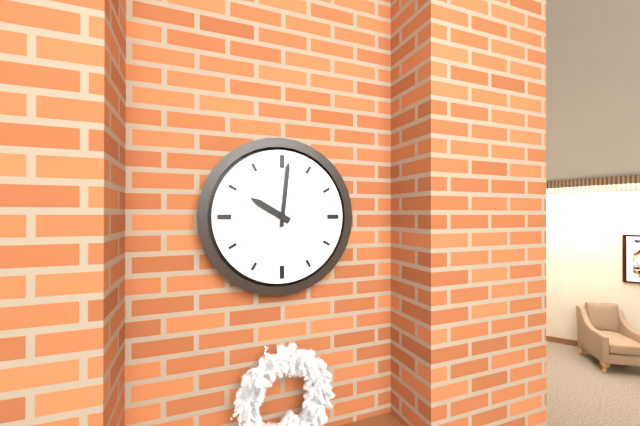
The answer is 10:01
